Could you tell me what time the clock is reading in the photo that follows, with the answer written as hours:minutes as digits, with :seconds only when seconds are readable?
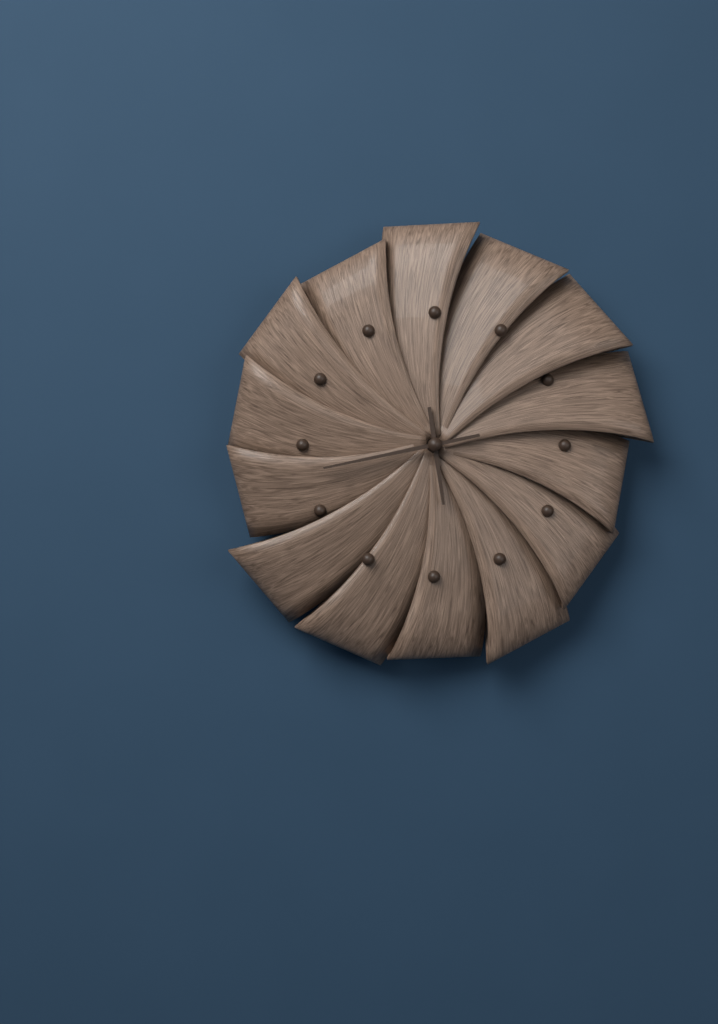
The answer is 5:43
